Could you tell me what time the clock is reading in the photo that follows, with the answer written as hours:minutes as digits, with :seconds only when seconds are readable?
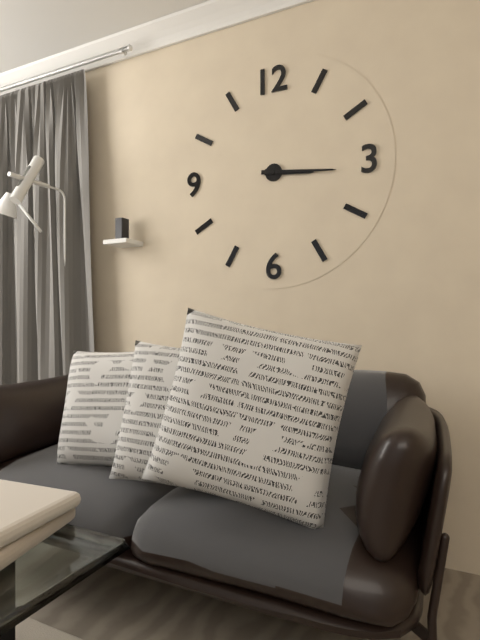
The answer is 3:16
